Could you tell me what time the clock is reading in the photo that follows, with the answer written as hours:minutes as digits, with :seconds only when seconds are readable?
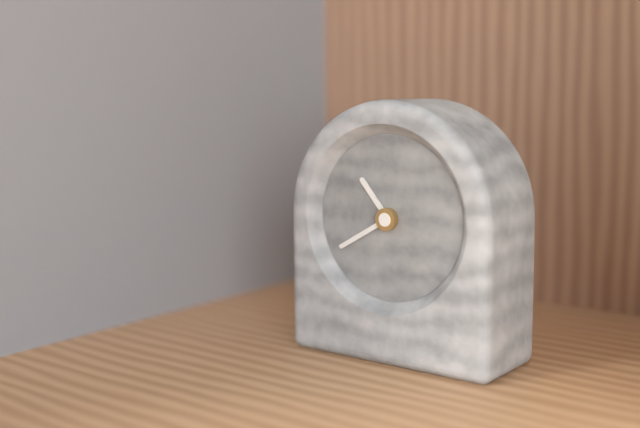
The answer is 10:40
